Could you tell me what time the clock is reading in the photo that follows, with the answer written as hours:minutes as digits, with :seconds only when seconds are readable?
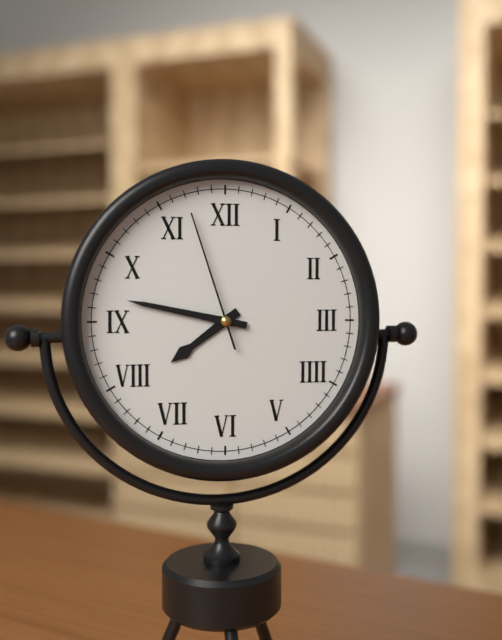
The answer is 7:47:57
